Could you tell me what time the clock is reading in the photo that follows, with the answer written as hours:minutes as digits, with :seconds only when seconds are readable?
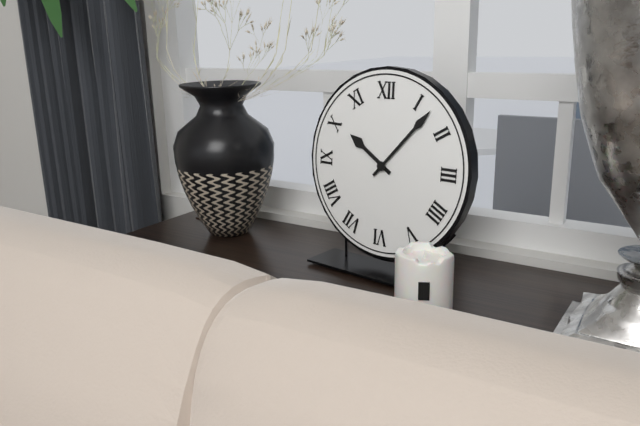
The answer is 10:07
